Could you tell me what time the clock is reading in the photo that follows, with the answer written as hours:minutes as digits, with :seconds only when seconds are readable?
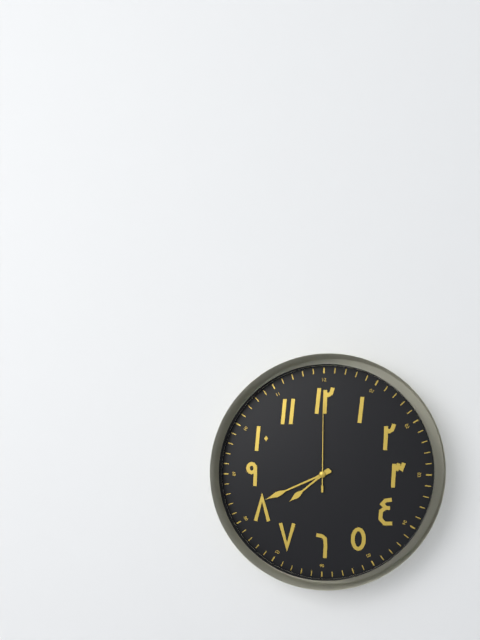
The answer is 7:41:00
